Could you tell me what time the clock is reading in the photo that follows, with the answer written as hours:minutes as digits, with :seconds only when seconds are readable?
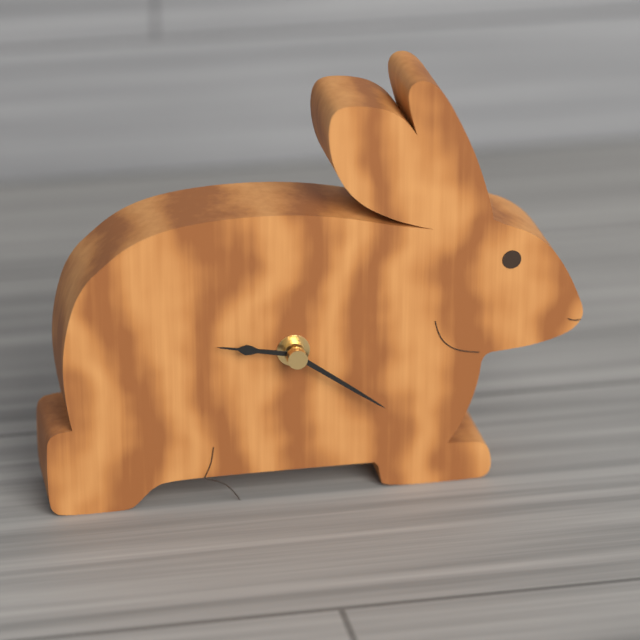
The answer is 9:21
